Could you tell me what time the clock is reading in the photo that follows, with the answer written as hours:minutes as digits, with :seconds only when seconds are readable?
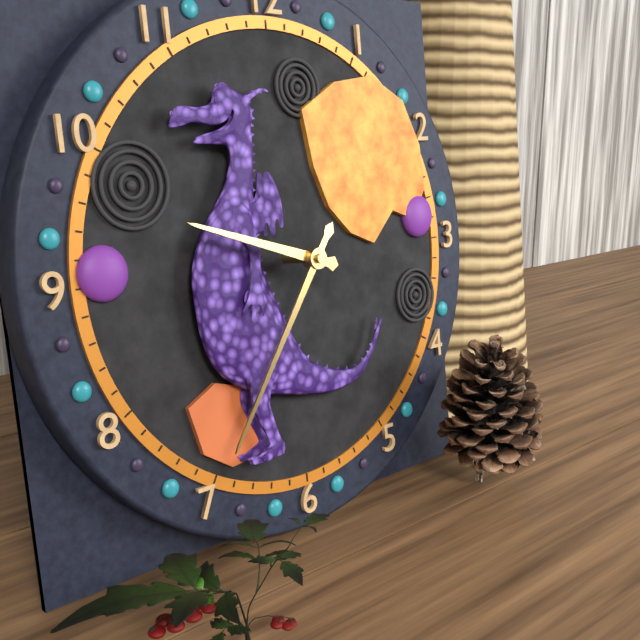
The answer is 9:36
